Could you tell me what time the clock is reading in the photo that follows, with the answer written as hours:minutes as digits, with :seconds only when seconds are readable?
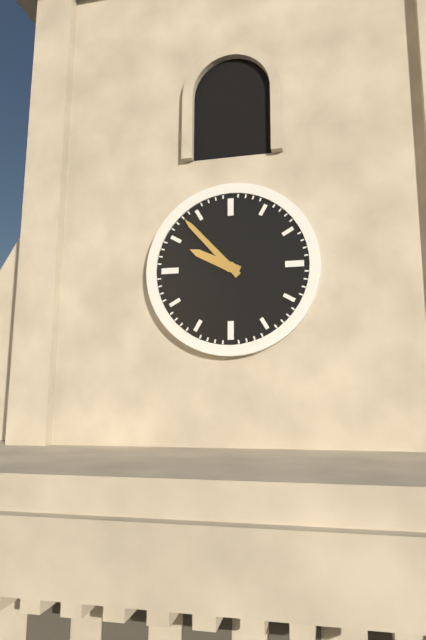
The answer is 9:53
